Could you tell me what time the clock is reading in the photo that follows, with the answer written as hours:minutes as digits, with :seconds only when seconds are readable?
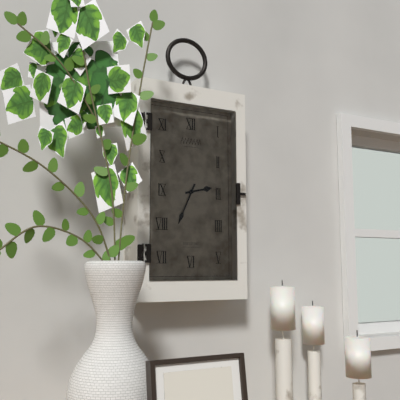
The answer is 2:34
